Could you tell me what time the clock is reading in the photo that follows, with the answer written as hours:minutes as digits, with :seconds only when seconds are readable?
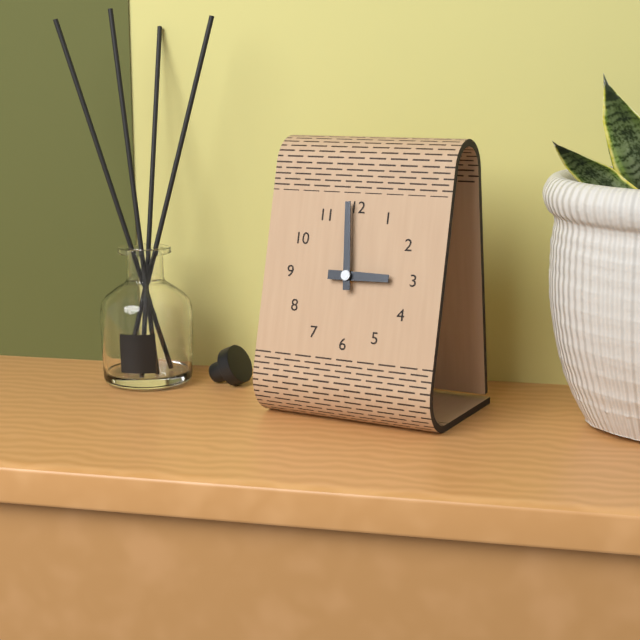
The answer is 2:59
